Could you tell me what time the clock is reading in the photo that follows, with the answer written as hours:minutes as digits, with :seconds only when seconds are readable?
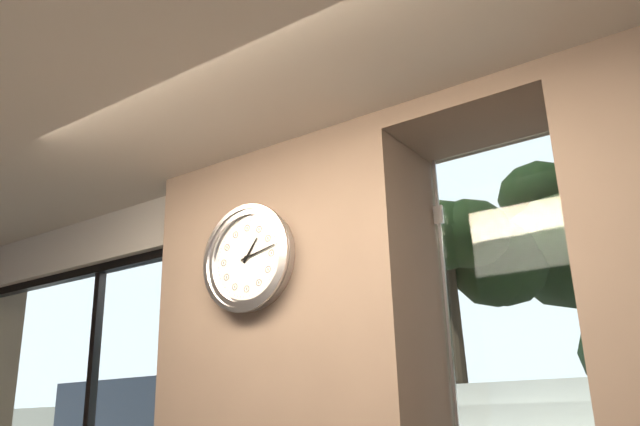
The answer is 1:13
